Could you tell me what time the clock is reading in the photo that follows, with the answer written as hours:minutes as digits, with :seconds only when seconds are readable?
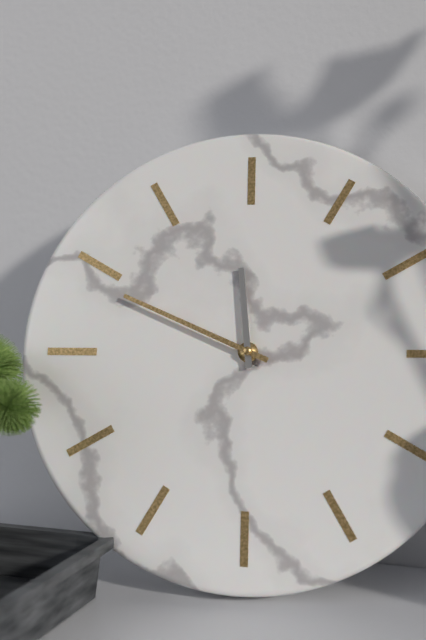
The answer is 11:49
